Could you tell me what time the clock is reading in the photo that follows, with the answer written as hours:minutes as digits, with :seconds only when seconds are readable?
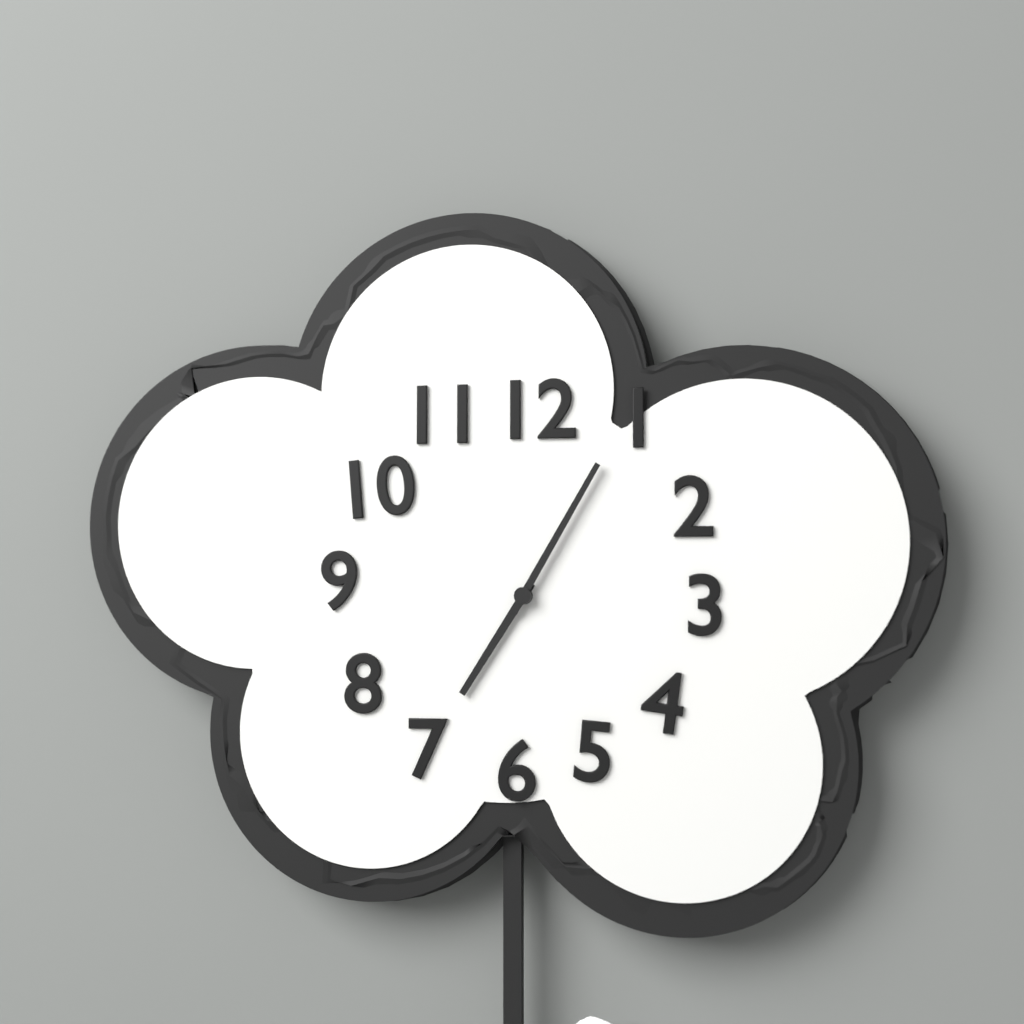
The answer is 7:05
